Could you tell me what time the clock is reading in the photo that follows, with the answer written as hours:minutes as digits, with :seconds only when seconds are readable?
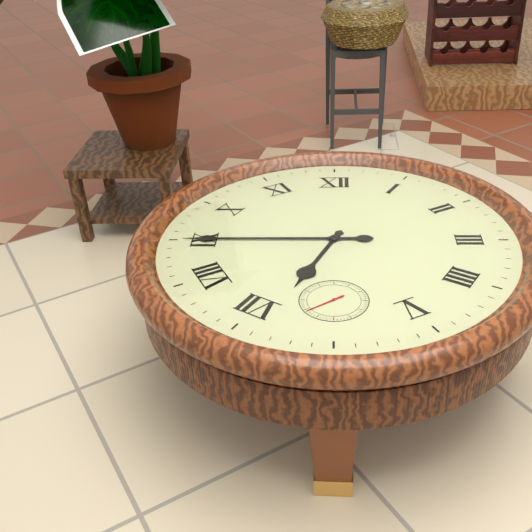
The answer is 6:45
